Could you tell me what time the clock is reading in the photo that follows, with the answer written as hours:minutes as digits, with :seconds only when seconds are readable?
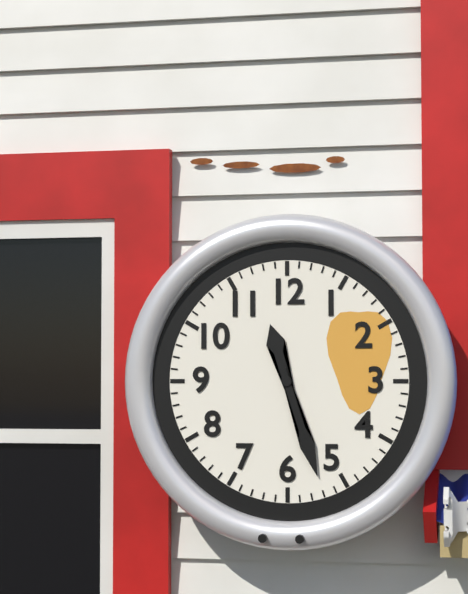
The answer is 11:27
